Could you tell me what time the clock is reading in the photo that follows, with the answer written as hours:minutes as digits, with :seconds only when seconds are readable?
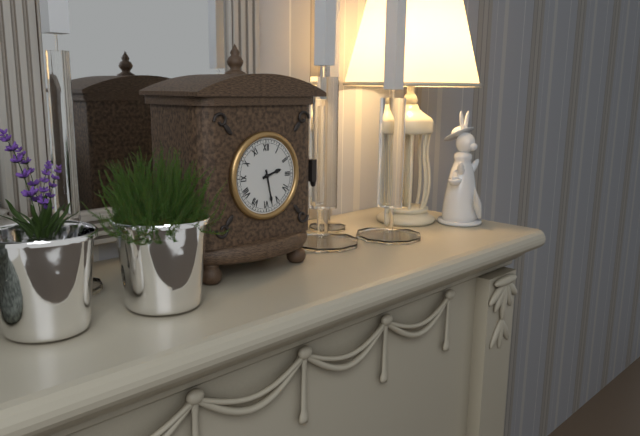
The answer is 2:28
